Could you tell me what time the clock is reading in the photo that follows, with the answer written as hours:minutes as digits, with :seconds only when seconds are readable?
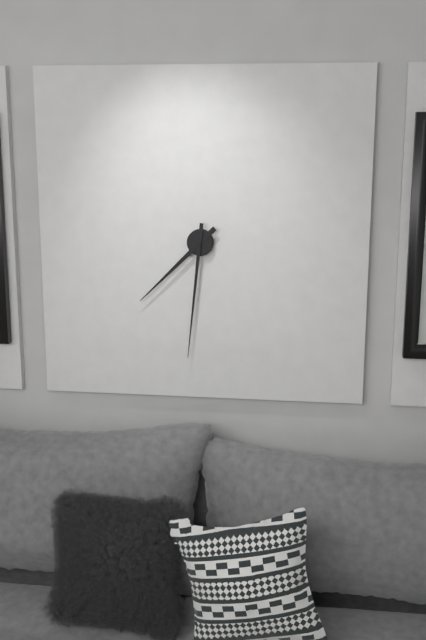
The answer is 7:31
